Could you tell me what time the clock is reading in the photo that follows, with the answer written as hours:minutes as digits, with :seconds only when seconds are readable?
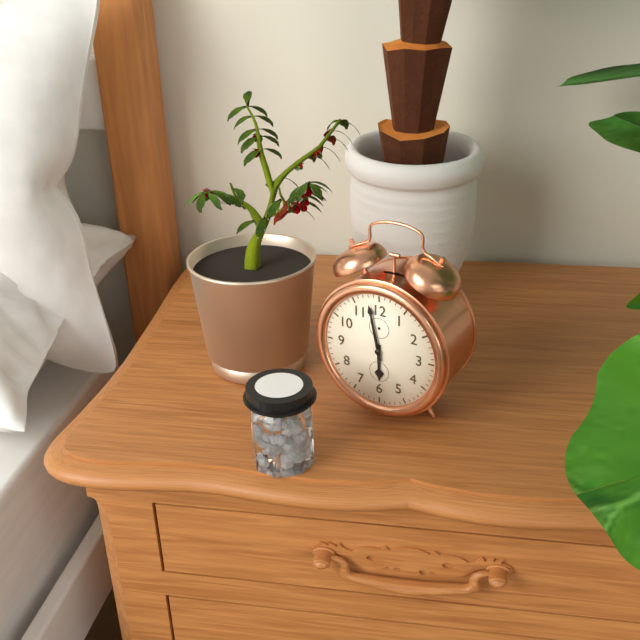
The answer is 5:58
